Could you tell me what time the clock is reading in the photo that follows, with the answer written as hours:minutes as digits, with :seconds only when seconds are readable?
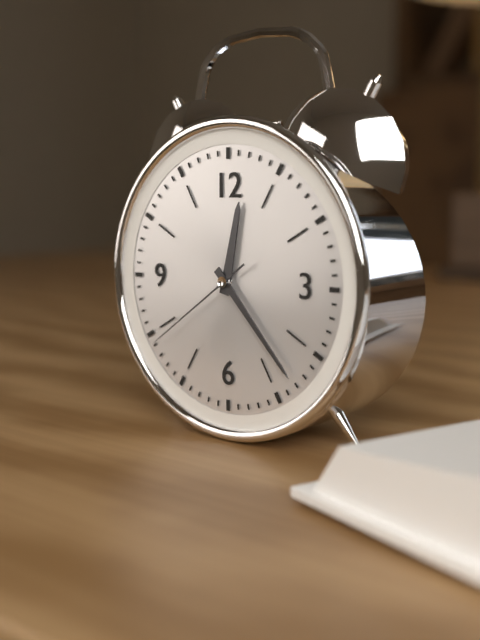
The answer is 12:23:39
